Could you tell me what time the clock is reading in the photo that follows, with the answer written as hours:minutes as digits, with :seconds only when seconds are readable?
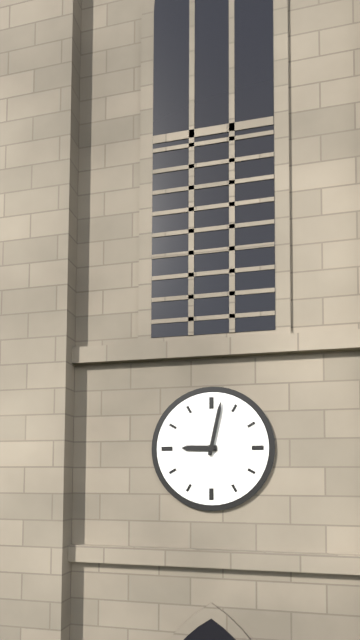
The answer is 9:02
